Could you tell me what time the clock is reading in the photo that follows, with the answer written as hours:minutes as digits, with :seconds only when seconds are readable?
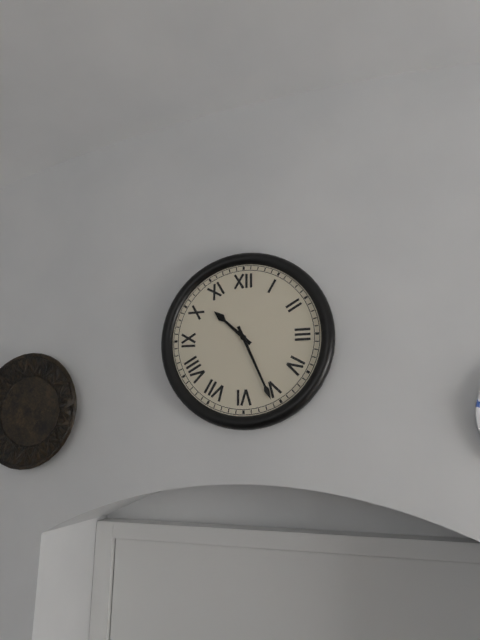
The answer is 10:26
